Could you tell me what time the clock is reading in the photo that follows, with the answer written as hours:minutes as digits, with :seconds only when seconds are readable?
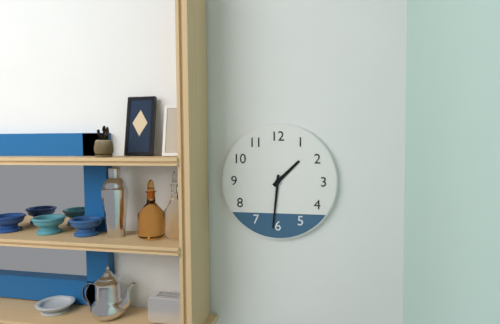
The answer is 1:31
